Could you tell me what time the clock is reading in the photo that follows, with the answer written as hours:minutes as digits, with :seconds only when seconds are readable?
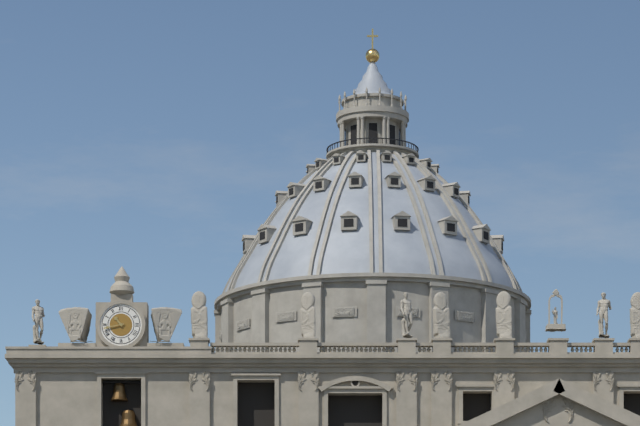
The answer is 10:43
